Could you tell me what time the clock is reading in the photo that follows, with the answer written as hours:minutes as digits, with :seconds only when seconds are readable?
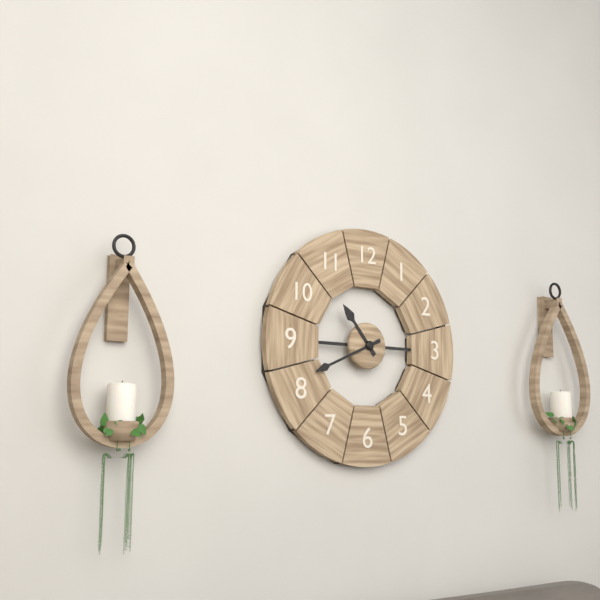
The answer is 10:41
